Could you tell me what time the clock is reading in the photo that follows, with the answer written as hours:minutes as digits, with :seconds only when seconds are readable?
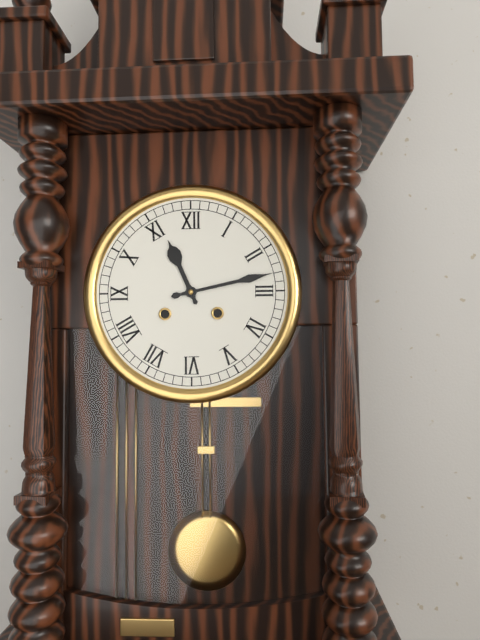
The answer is 11:13
